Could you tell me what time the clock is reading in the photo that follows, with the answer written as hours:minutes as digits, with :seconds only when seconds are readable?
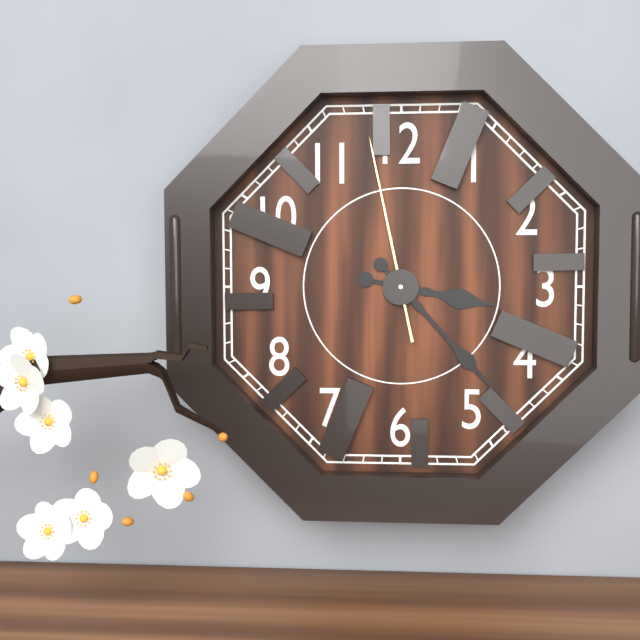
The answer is 3:23:58
